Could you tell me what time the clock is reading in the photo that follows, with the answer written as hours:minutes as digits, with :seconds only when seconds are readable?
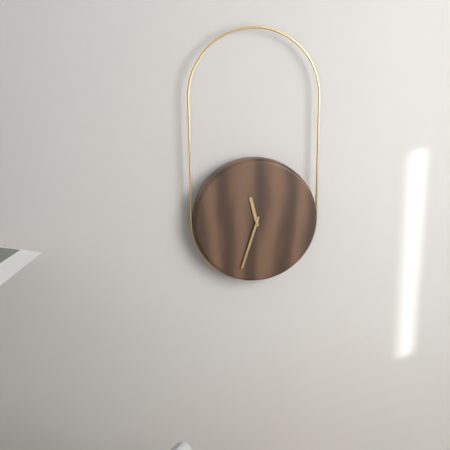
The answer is 11:33
